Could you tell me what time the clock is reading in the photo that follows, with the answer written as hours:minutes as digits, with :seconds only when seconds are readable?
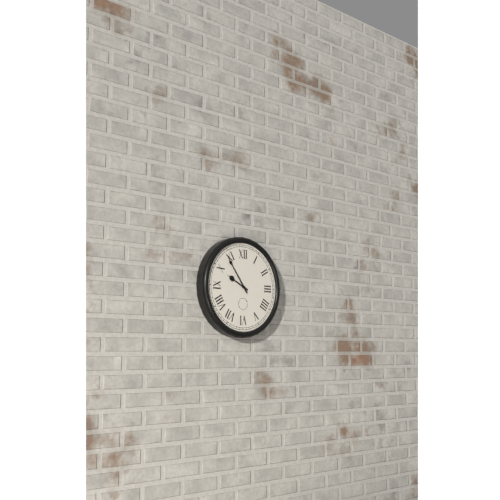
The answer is 9:54
